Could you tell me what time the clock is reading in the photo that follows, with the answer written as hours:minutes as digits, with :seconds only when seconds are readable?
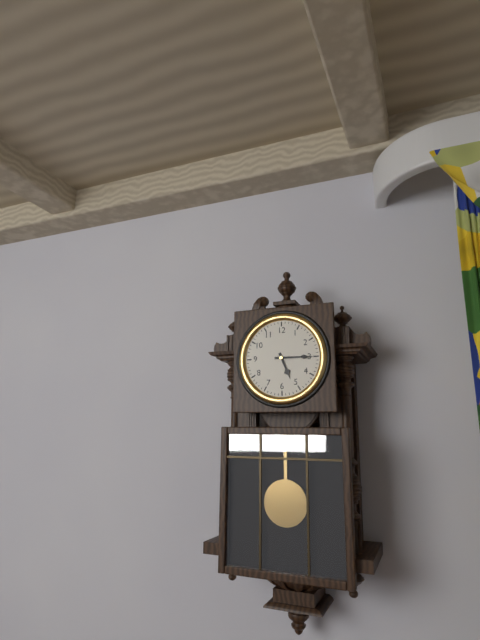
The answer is 5:15
